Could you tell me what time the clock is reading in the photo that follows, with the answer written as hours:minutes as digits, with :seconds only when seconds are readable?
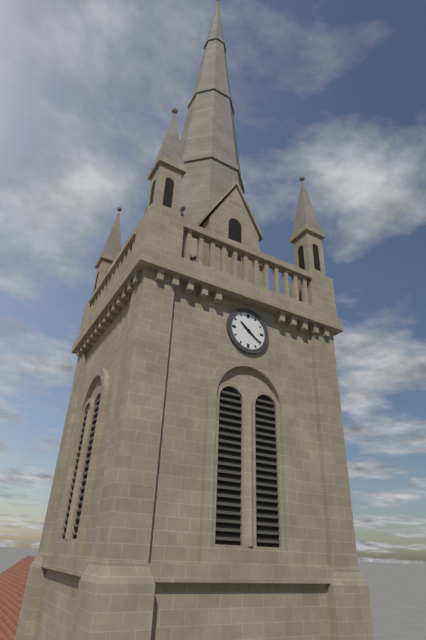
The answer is 10:21
